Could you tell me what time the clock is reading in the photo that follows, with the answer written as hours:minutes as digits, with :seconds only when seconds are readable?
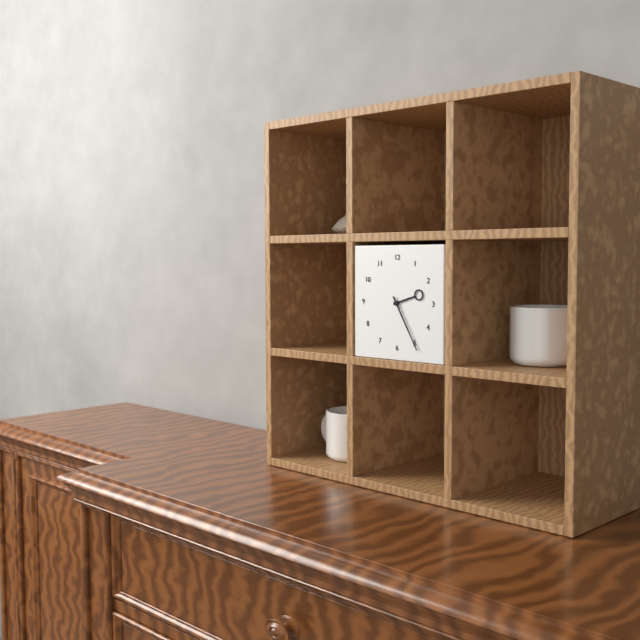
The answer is 2:25
